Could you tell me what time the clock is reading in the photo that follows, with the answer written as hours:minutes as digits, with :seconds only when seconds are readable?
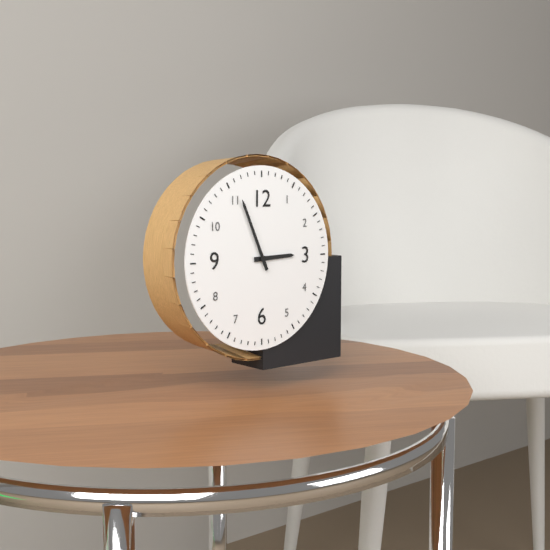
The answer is 2:56
